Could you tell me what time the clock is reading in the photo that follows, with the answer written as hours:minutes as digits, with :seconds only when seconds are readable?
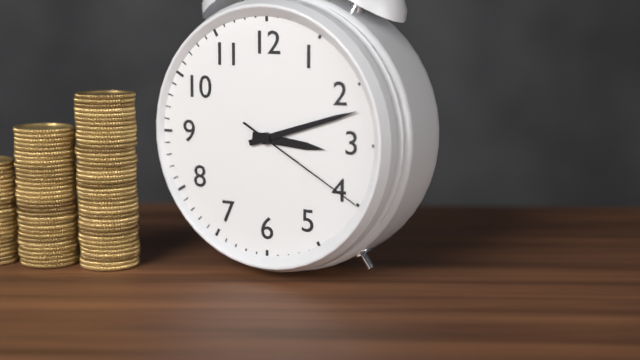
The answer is 3:12:20
